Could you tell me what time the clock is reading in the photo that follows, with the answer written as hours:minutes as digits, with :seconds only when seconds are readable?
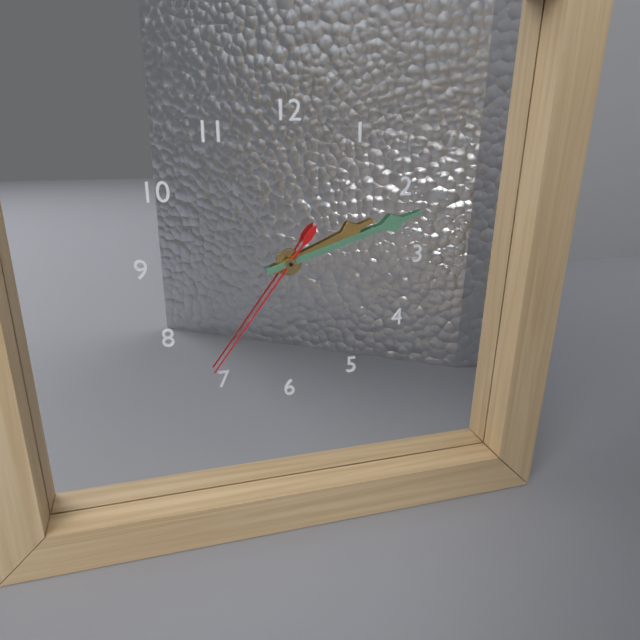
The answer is 2:12:36
